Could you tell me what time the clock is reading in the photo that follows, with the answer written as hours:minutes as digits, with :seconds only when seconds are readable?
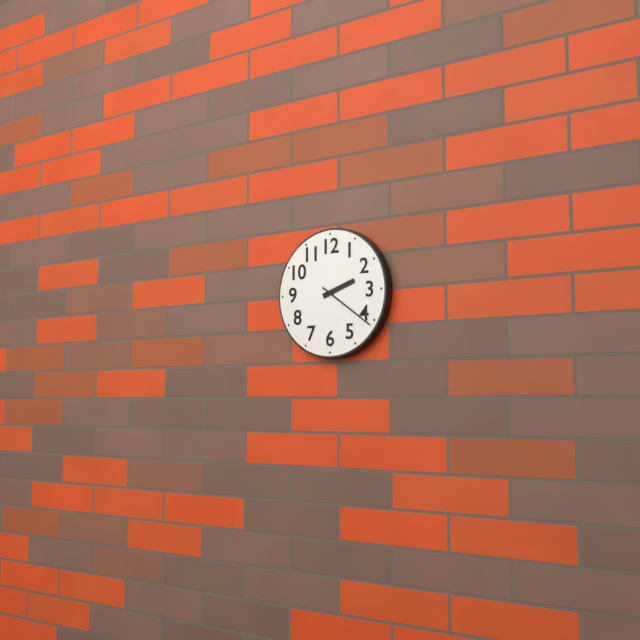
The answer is 2:21
